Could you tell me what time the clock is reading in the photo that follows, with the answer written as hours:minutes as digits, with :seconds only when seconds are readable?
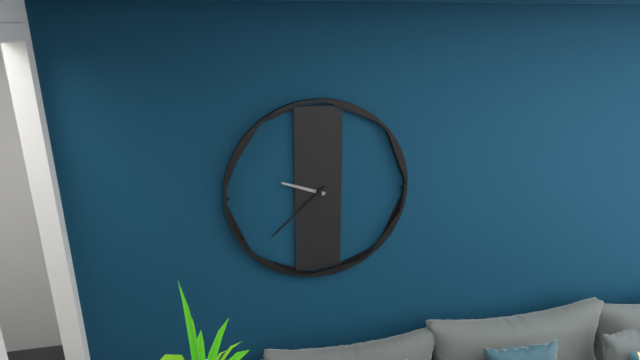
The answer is 9:38
